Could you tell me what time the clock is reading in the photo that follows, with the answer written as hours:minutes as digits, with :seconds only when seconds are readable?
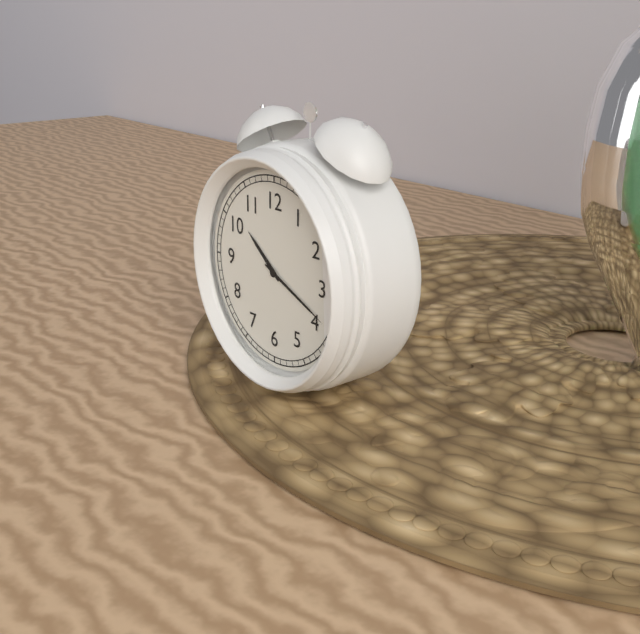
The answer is 10:19
